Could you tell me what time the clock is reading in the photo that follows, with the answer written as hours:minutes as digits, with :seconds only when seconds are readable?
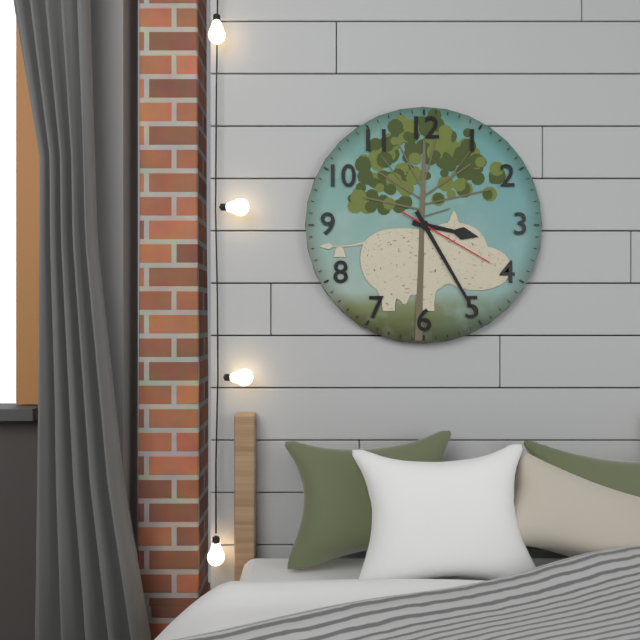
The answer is 3:25:20
